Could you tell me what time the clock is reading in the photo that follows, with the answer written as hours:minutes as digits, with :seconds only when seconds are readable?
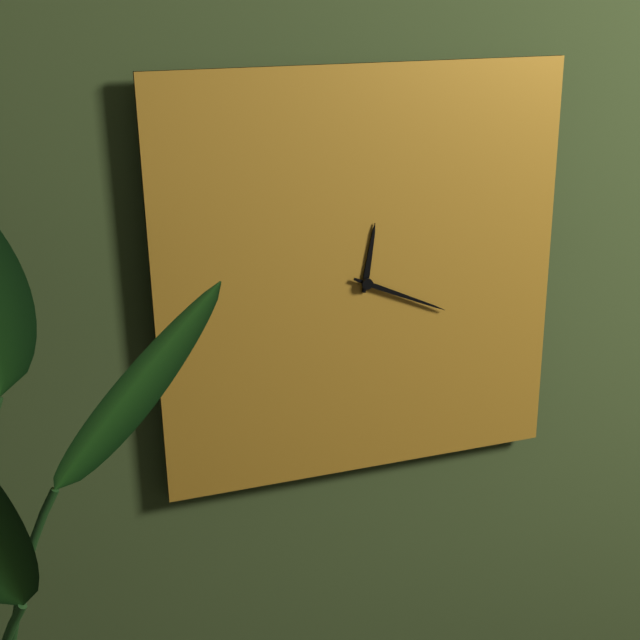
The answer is 12:19
